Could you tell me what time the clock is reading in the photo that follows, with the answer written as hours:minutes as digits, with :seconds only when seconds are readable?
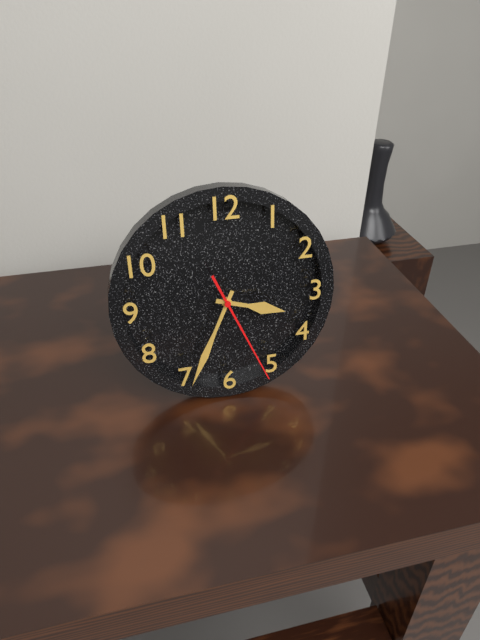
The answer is 3:34:26
